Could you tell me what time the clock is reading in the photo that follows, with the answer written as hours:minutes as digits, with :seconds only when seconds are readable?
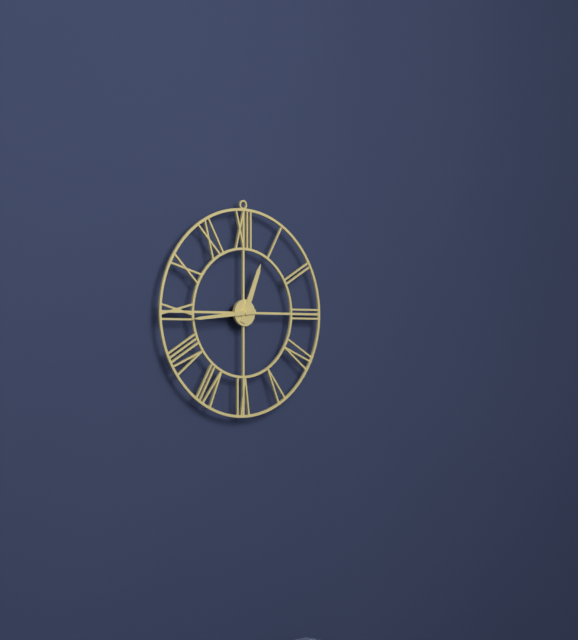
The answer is 12:44
